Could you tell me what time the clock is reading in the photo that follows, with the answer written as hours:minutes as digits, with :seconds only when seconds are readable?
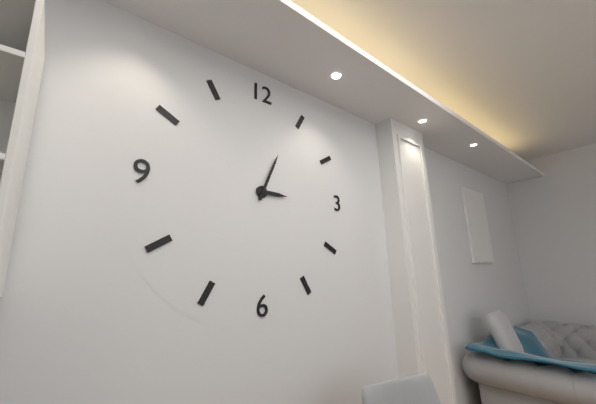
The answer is 3:04
